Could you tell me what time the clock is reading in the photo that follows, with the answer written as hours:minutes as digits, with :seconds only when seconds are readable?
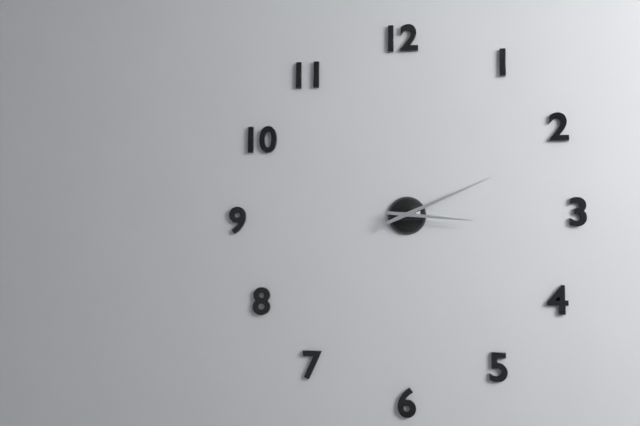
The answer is 3:11
